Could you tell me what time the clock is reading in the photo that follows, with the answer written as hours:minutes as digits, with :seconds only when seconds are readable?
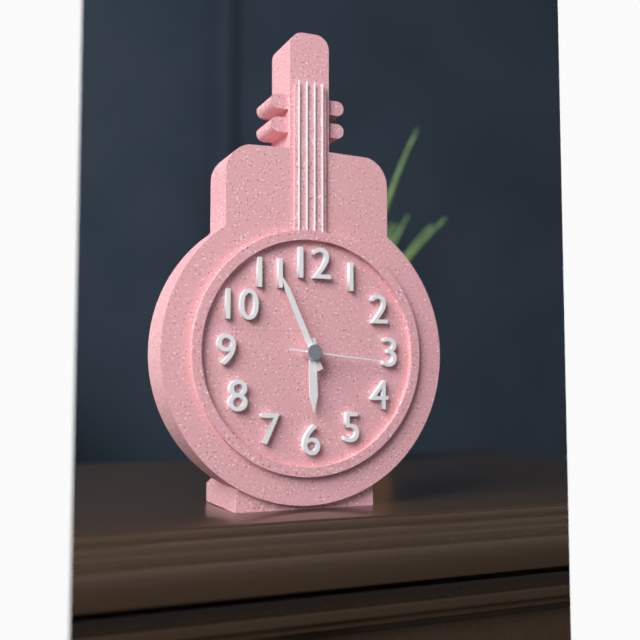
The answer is 5:56:16
